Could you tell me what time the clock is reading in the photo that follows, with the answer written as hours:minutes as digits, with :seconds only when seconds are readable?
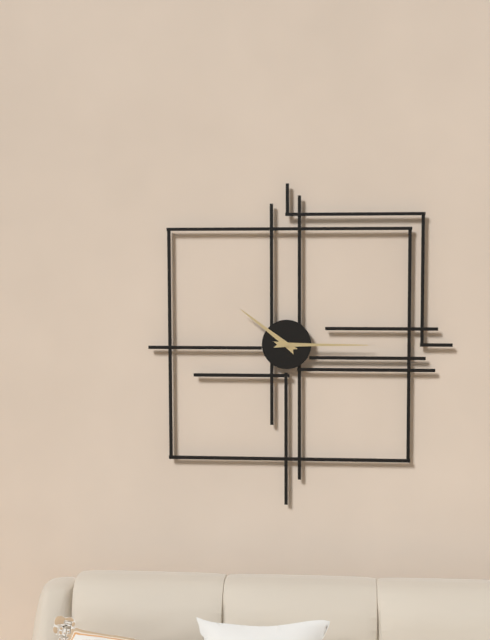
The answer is 10:15
